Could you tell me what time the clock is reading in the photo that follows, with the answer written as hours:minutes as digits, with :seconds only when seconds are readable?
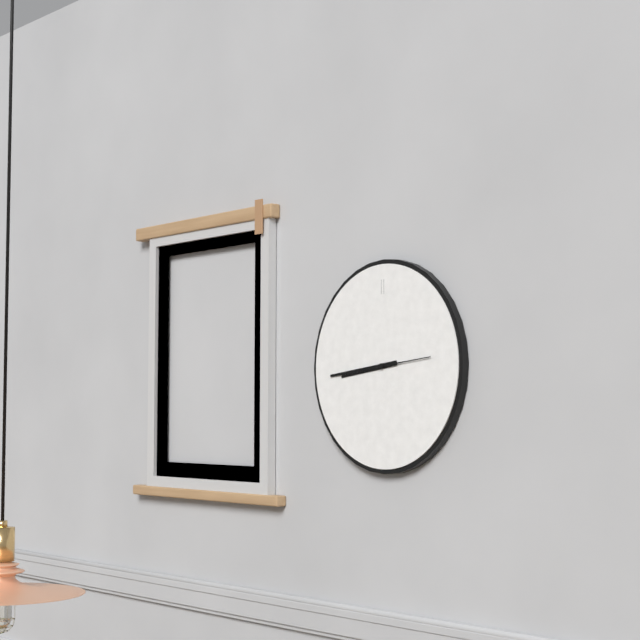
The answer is 8:44:14
